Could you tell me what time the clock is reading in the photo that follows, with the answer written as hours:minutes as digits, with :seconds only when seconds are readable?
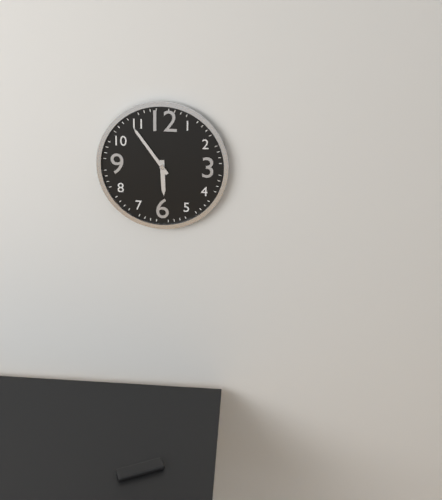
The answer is 5:54
